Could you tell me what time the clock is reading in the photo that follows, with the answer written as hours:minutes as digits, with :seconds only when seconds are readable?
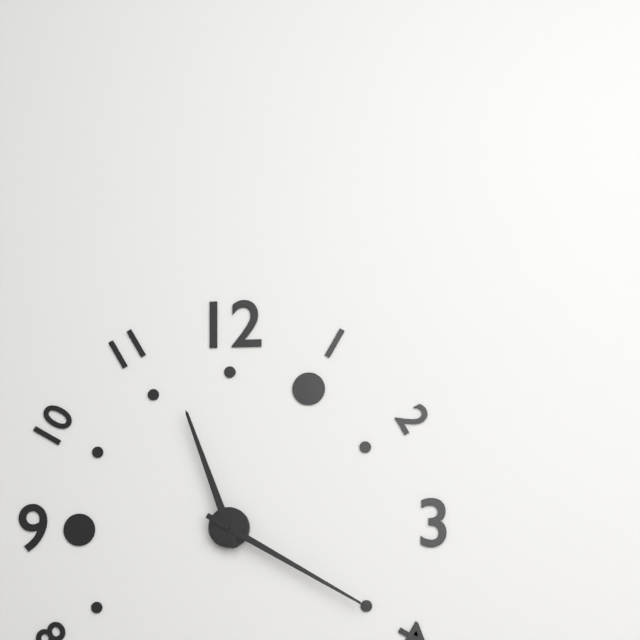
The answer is 11:20
